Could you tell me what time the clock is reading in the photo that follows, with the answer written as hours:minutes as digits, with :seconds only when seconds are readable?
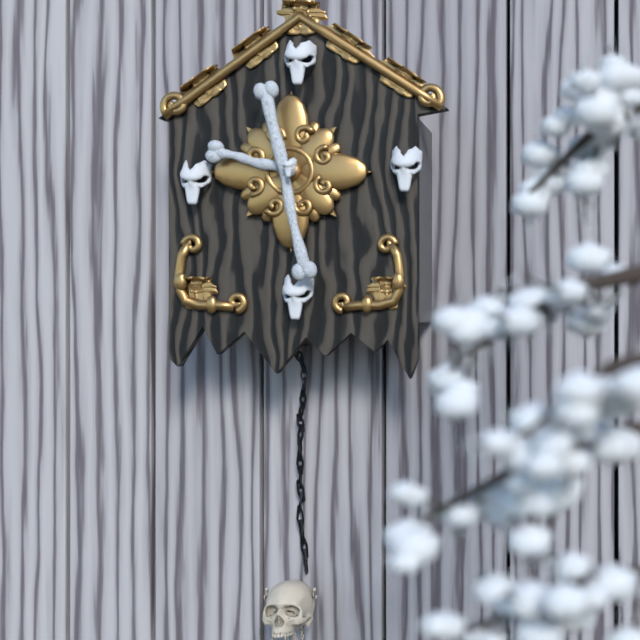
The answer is 9:28
